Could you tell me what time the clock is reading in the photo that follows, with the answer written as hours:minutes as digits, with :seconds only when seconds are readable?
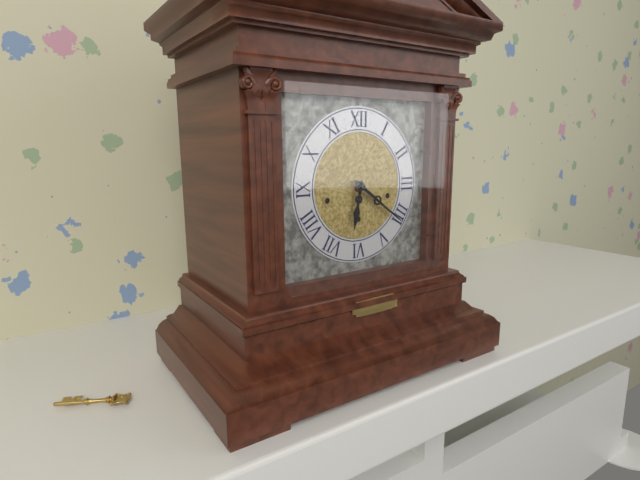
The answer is 6:21
